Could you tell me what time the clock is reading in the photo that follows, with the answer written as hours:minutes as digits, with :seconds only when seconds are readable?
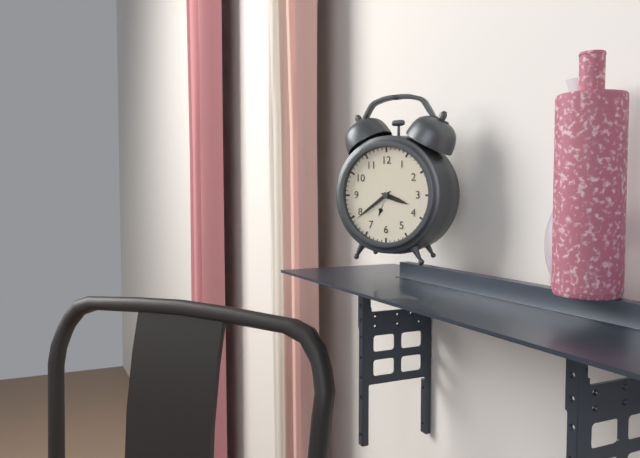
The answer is 3:39
